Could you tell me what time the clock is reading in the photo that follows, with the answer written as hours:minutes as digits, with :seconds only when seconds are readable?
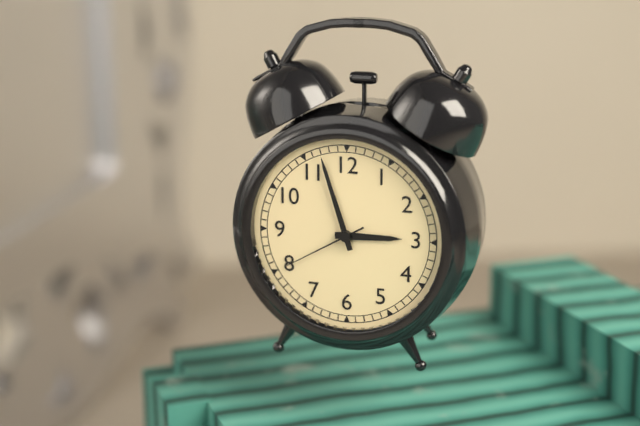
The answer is 2:57:40
